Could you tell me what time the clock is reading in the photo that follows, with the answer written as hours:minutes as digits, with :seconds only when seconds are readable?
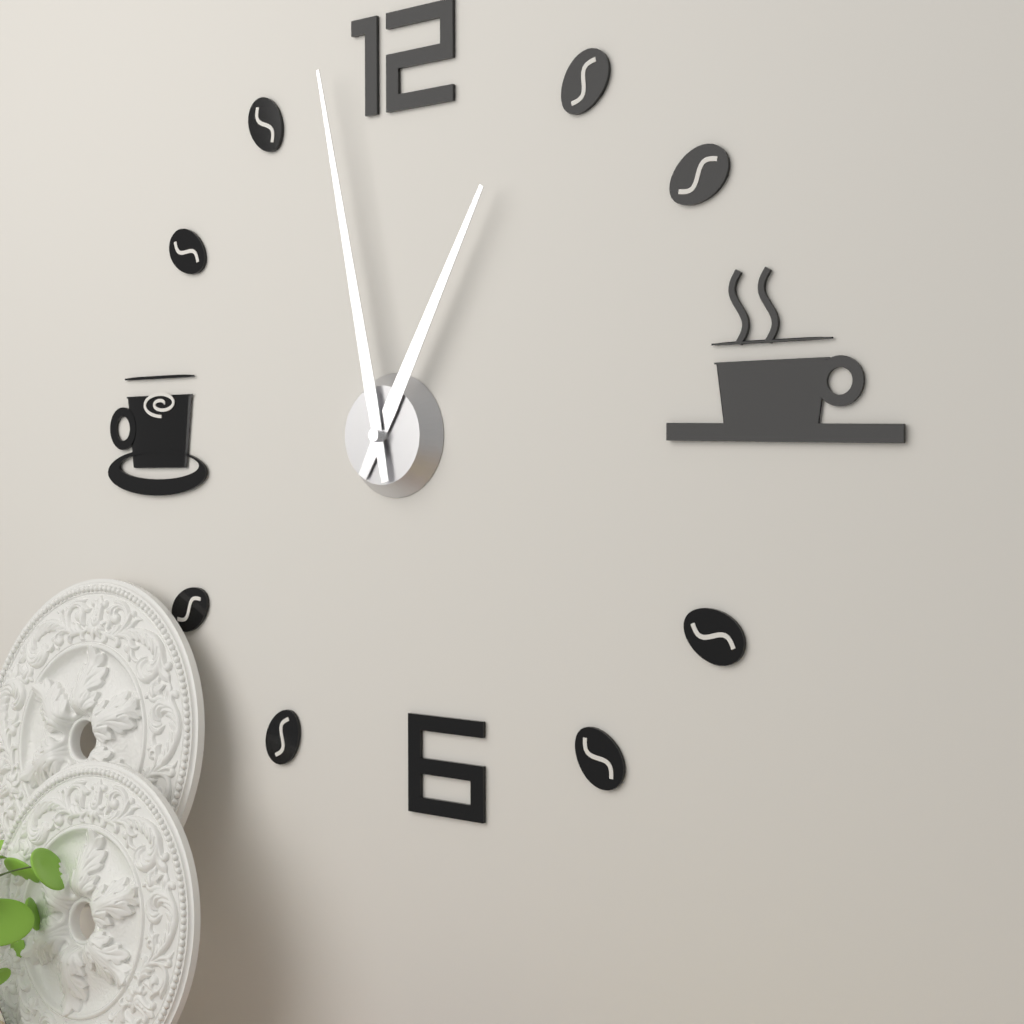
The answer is 12:58
